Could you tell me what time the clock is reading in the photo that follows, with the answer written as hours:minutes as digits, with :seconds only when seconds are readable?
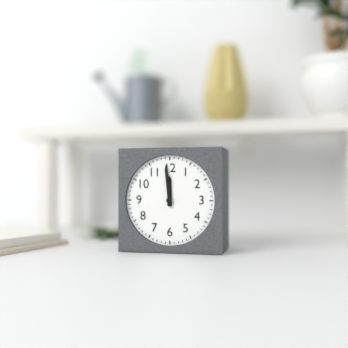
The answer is 11:59
